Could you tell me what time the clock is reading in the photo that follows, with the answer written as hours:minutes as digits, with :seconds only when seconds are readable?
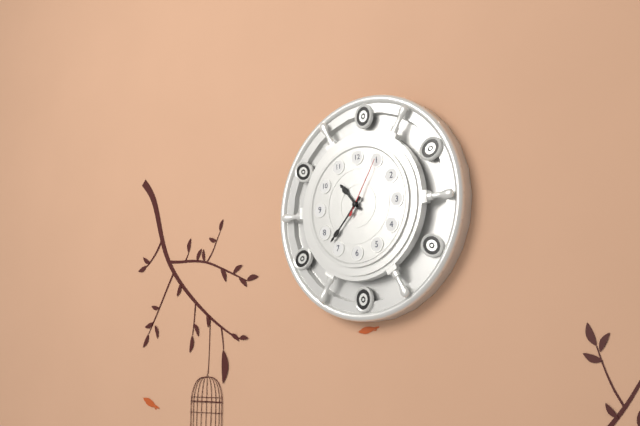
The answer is 10:37:05
